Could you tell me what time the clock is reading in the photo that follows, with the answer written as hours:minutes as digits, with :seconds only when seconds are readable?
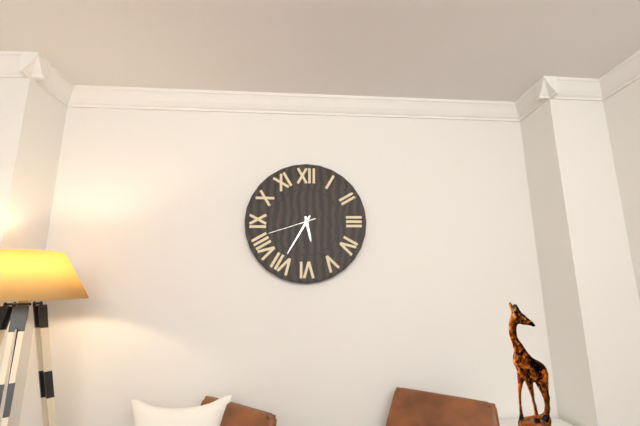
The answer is 5:35
